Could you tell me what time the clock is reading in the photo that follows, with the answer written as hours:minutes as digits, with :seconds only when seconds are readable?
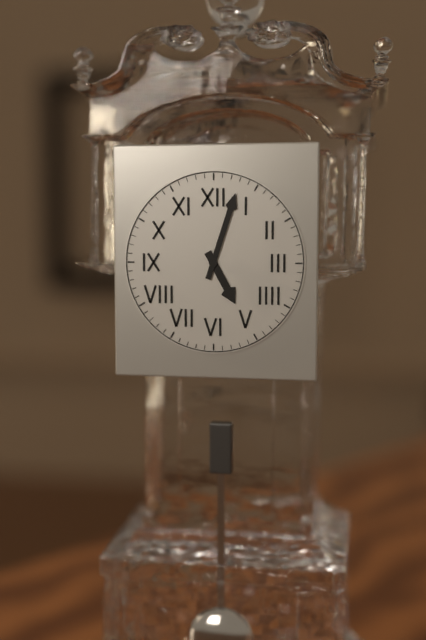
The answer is 5:03
